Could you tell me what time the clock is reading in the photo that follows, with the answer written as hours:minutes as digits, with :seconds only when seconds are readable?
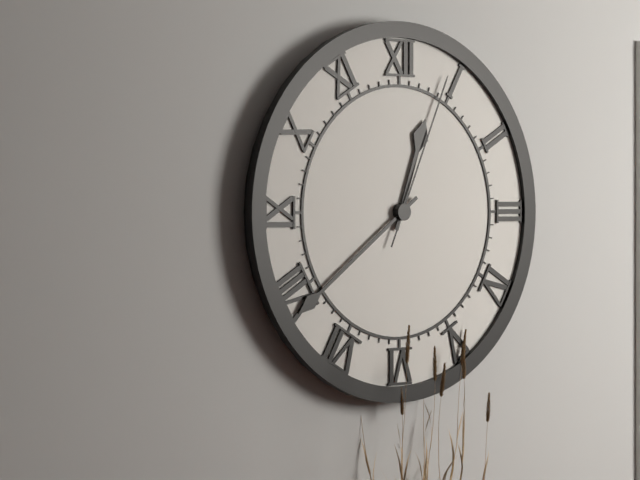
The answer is 12:39:04
